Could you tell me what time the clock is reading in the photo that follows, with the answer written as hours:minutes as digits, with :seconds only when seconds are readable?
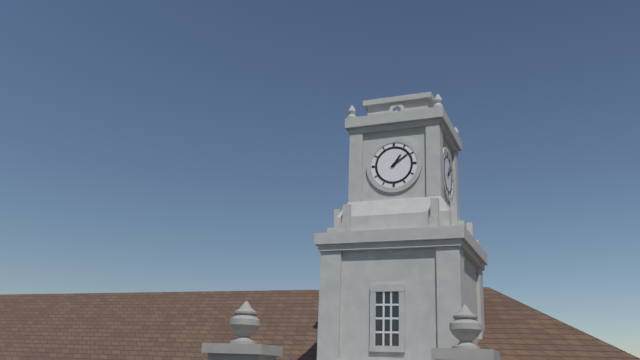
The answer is 1:09
